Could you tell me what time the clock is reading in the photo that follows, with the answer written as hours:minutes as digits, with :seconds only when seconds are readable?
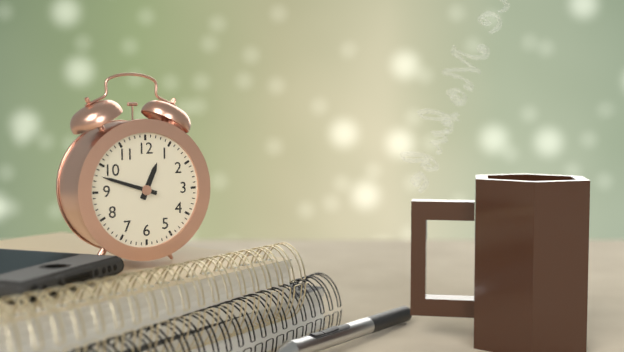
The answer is 12:48
